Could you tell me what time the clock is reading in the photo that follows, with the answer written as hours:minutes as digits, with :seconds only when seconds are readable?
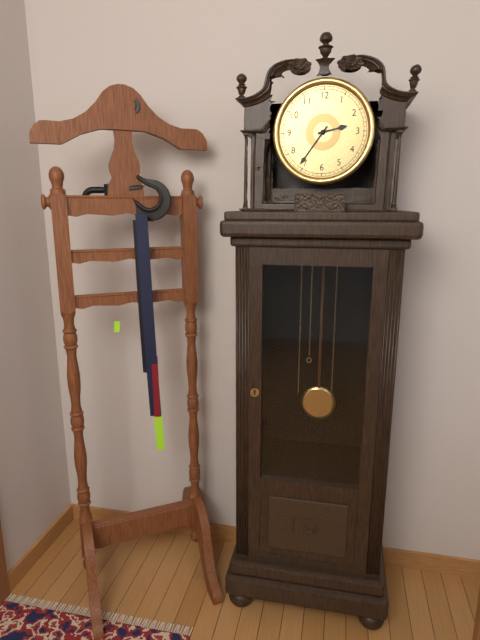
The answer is 2:36
